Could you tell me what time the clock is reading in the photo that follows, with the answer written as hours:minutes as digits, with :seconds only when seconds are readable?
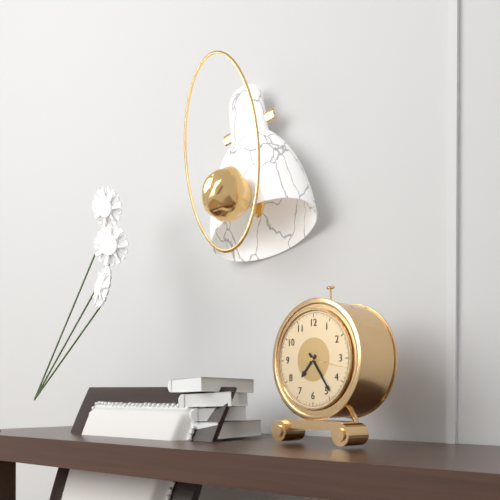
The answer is 7:24
